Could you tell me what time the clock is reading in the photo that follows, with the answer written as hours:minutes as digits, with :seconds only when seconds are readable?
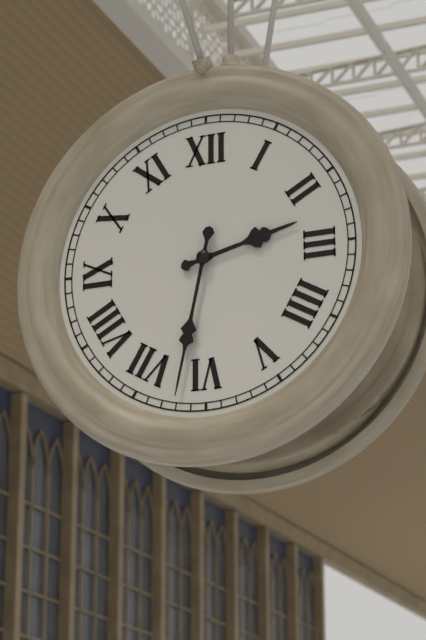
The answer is 2:32
